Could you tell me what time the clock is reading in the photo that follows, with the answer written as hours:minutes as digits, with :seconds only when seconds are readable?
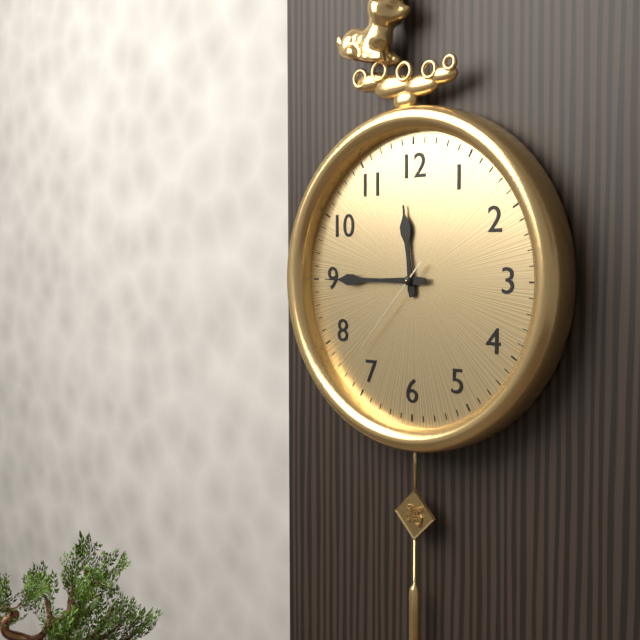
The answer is 11:45:37
